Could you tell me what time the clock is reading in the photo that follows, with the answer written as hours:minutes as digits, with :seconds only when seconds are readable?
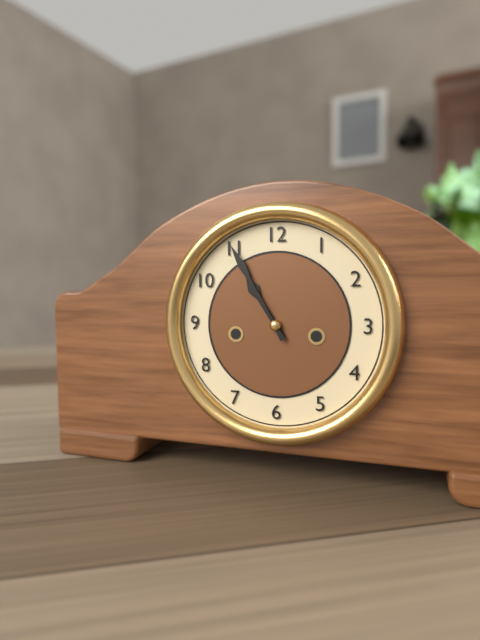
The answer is 10:55
